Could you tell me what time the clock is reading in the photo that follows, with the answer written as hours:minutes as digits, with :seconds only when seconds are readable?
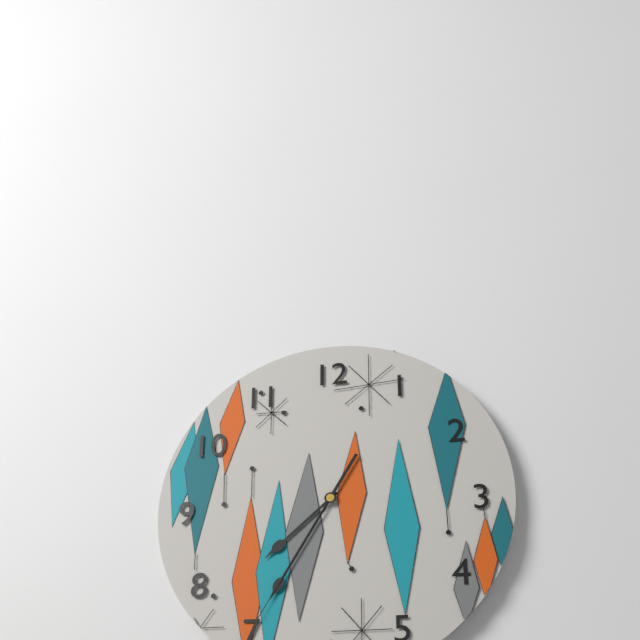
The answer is 7:35:35
